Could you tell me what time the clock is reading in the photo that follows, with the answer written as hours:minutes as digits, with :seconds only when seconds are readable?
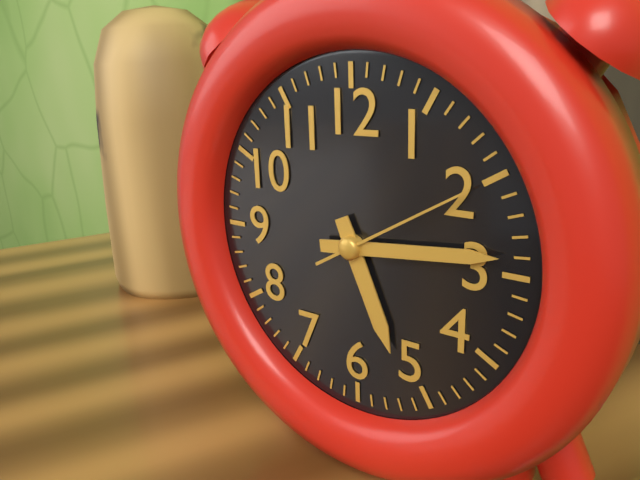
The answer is 5:14:10
